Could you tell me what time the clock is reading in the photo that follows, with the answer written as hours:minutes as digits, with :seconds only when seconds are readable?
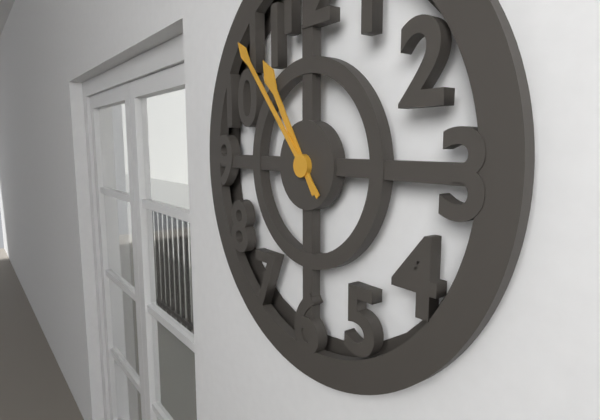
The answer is 10:53
